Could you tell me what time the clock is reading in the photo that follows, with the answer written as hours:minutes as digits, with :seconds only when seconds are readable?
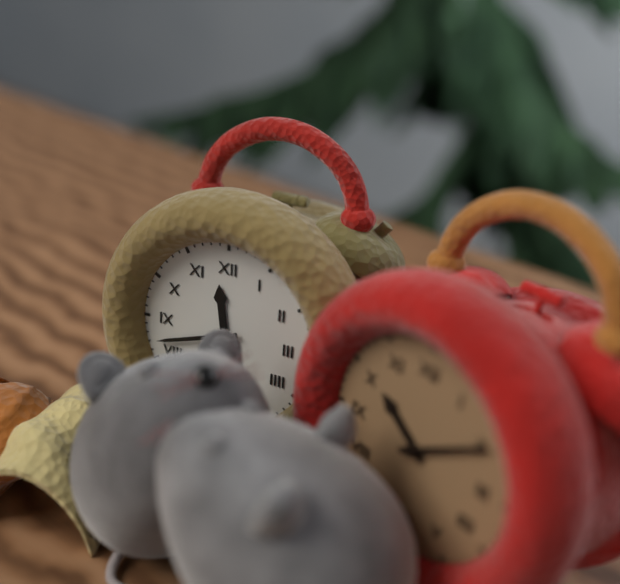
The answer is 11:42
